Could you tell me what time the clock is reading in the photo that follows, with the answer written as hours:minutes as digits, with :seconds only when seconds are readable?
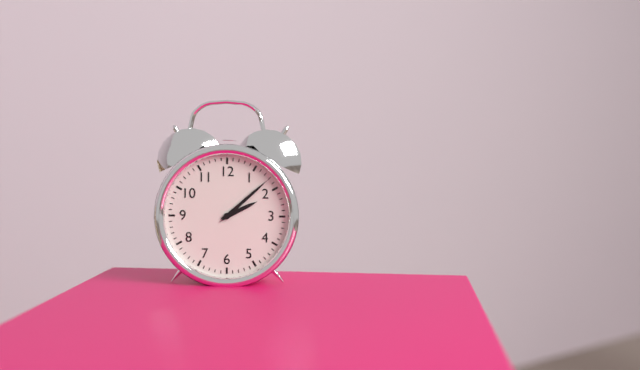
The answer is 2:08
